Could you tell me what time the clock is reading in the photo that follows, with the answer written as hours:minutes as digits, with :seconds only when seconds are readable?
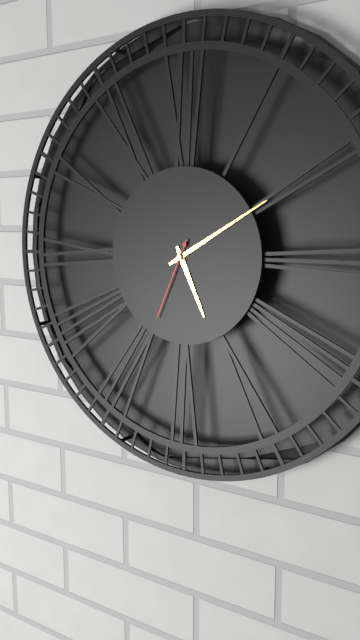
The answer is 5:10:34
